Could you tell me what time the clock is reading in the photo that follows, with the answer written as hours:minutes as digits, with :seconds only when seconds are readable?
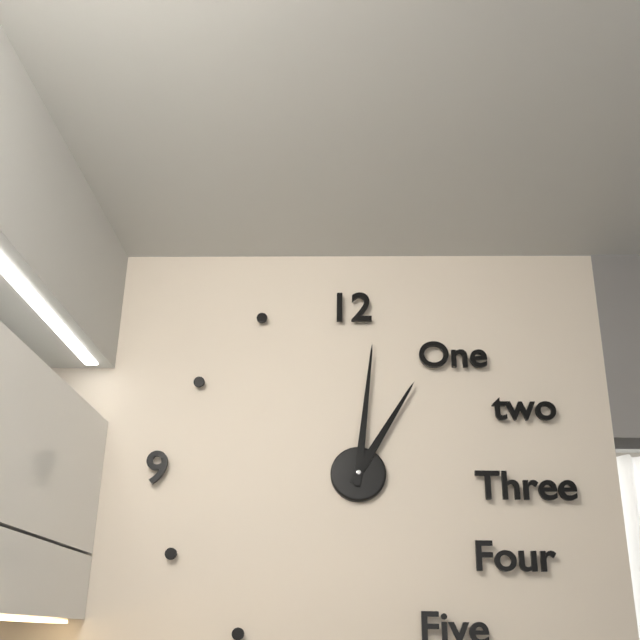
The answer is 1:01
